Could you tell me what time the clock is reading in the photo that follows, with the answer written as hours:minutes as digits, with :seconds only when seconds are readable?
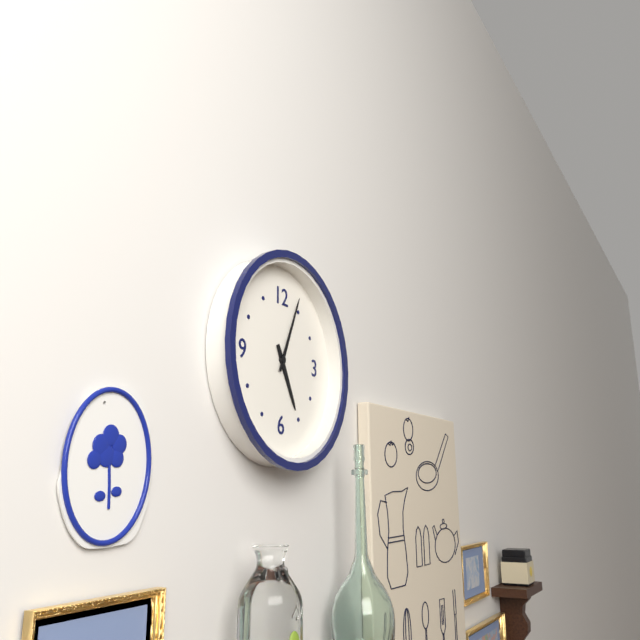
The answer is 5:04
